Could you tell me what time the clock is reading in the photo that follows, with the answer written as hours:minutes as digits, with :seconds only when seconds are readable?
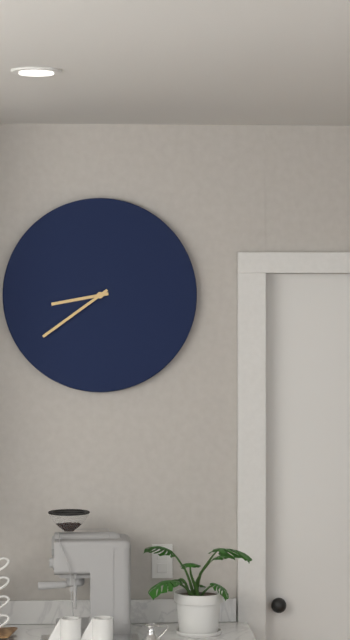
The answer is 8:39
